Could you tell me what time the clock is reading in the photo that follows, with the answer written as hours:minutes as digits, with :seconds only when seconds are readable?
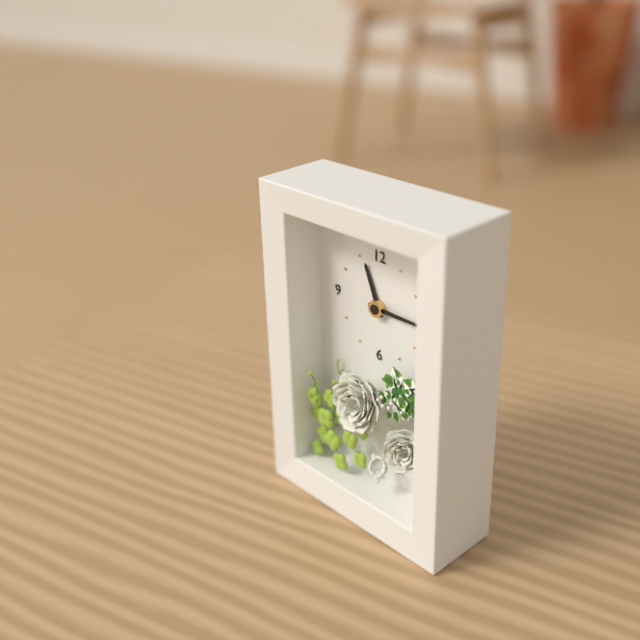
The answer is 11:15
